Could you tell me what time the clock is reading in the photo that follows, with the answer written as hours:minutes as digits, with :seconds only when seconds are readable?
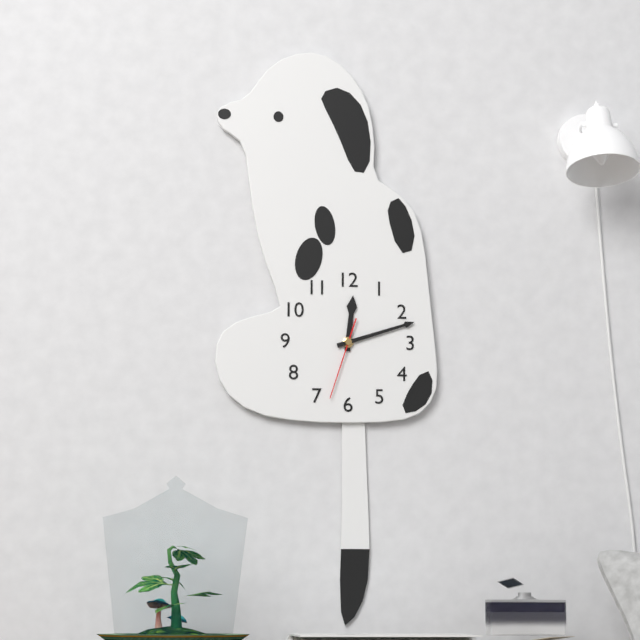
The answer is 12:12:33
